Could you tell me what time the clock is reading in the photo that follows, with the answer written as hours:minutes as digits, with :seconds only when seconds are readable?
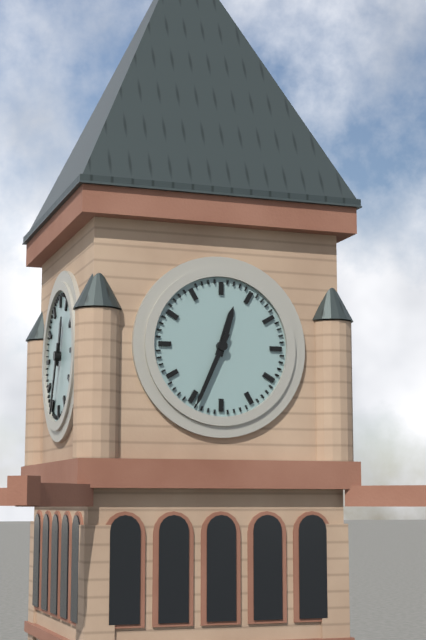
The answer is 12:34
